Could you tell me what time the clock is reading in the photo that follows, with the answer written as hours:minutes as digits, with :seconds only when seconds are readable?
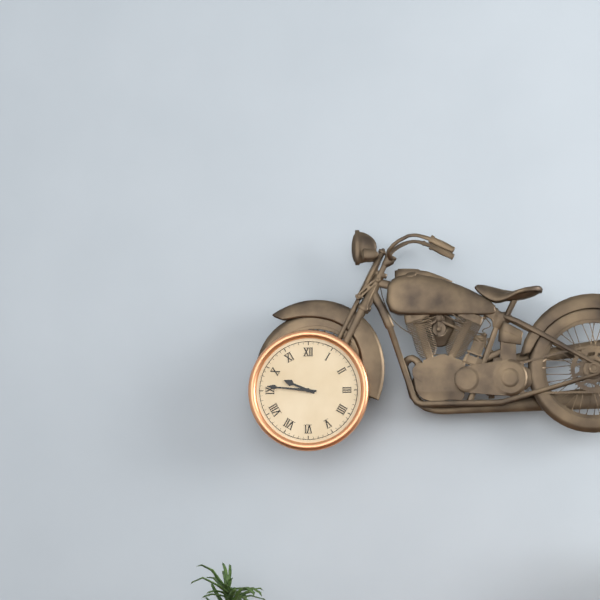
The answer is 9:46
